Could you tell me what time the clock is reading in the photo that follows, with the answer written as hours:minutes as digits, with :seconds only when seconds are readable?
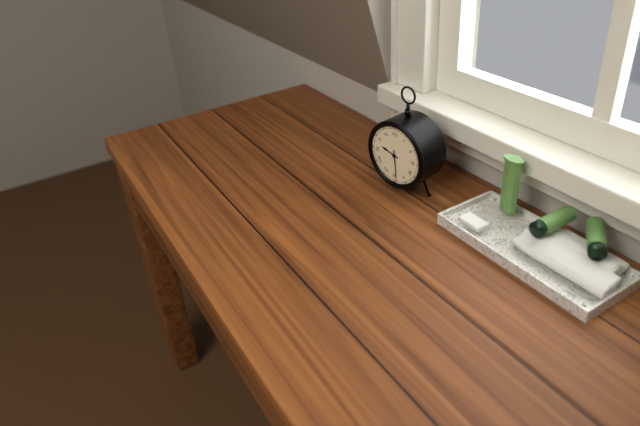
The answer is 9:29
